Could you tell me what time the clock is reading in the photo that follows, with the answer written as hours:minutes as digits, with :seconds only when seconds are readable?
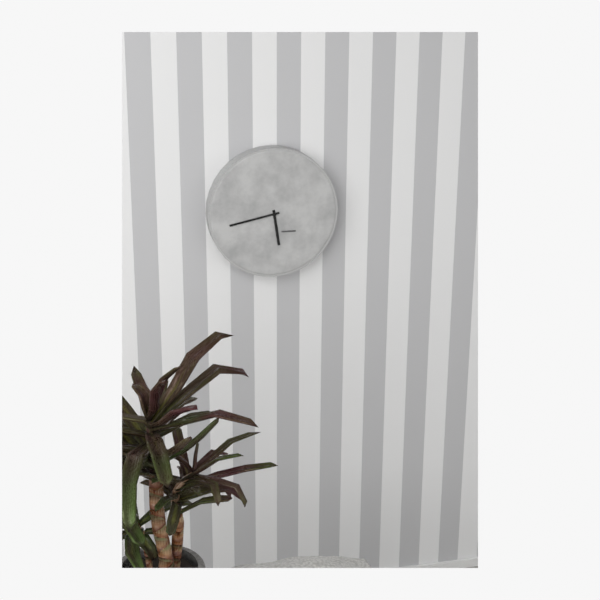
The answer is 5:43
